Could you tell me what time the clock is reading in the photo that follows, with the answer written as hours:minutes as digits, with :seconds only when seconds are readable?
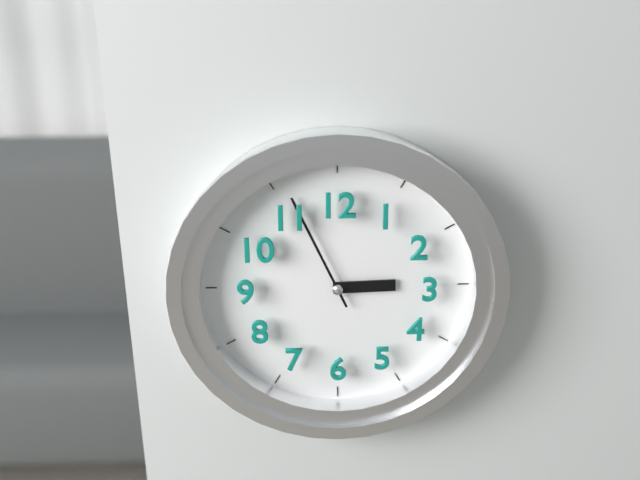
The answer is 2:56
